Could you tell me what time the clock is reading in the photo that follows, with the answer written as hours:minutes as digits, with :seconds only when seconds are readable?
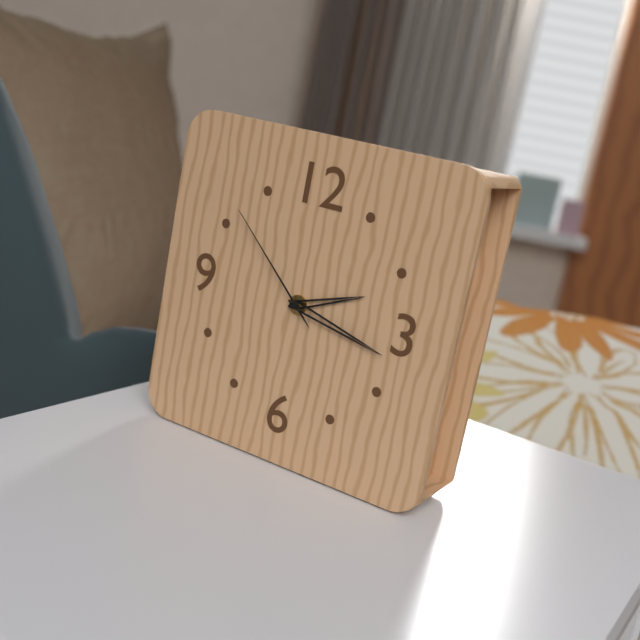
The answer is 2:17:52
